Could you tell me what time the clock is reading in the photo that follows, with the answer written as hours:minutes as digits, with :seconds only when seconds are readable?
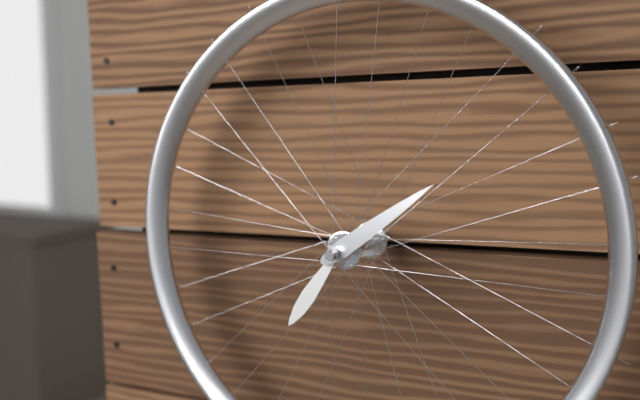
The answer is 7:09
